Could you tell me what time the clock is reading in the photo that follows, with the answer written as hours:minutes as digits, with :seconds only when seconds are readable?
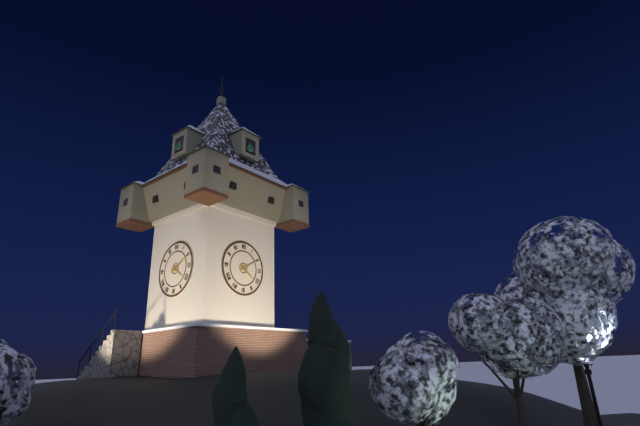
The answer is 4:10
